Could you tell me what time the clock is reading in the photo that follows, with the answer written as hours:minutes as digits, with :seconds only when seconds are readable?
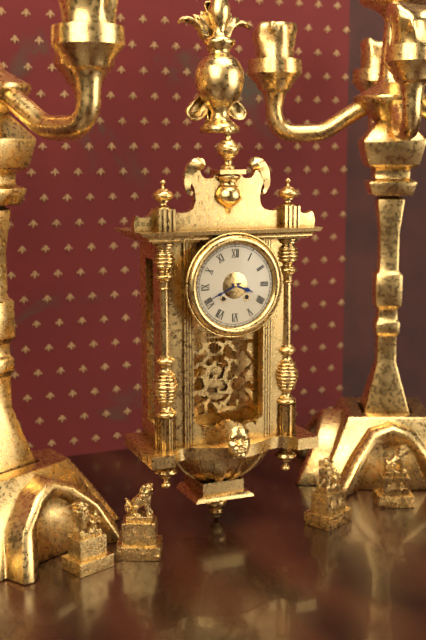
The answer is 3:41
